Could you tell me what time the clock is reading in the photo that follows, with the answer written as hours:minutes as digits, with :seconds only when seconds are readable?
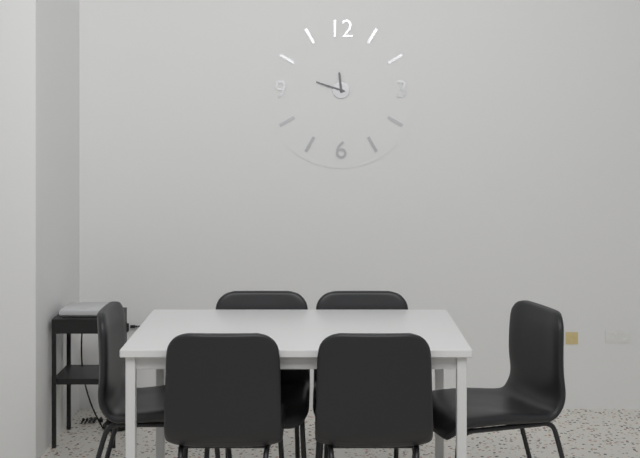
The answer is 11:48
